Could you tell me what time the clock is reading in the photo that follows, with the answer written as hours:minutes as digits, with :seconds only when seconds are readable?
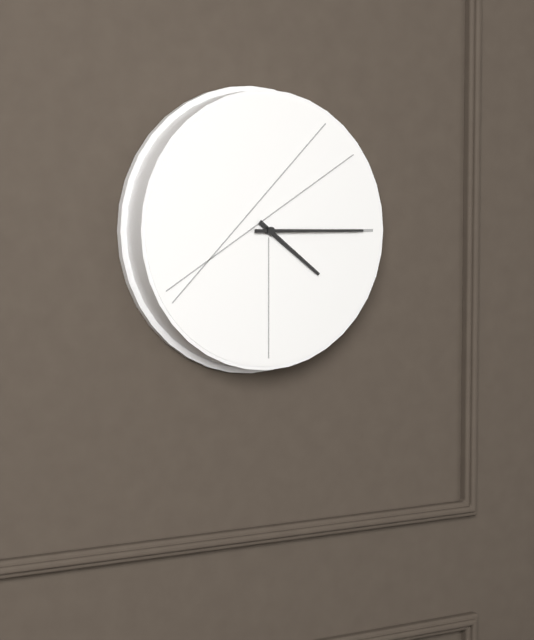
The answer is 4:15
